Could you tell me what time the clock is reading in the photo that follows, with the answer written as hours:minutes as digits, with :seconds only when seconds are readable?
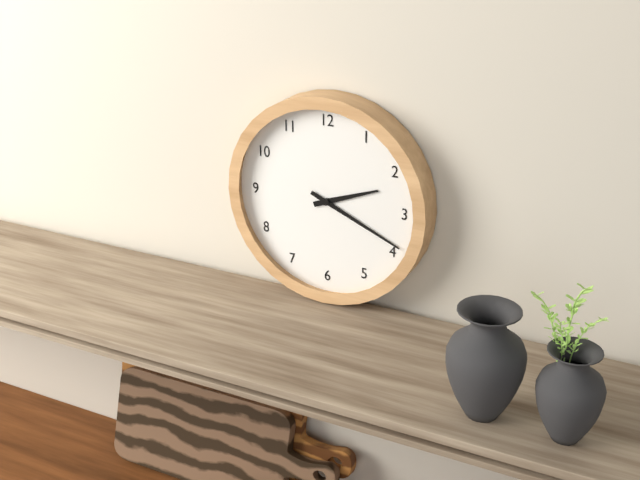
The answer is 2:19
